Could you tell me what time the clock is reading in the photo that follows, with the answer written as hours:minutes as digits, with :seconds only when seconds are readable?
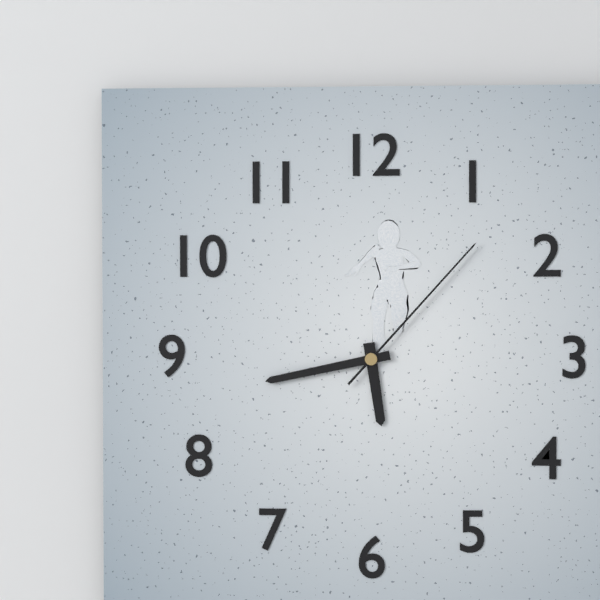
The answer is 5:43:07
